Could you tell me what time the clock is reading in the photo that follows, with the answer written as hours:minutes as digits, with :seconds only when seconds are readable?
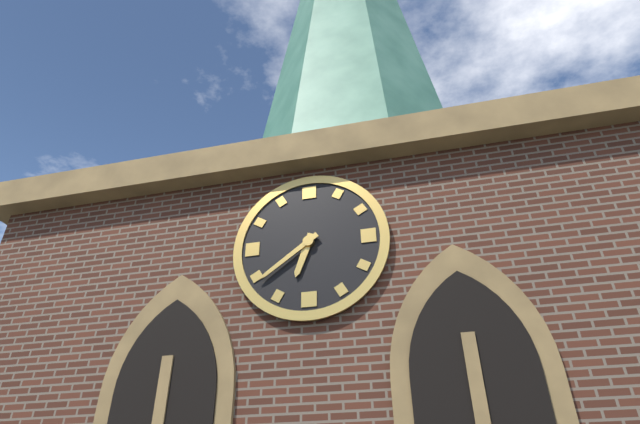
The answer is 6:39
